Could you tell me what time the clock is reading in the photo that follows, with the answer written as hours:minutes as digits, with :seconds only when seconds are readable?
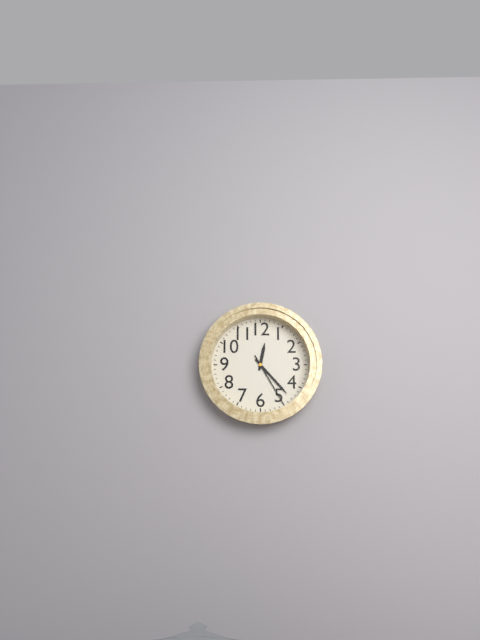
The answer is 12:23:25
